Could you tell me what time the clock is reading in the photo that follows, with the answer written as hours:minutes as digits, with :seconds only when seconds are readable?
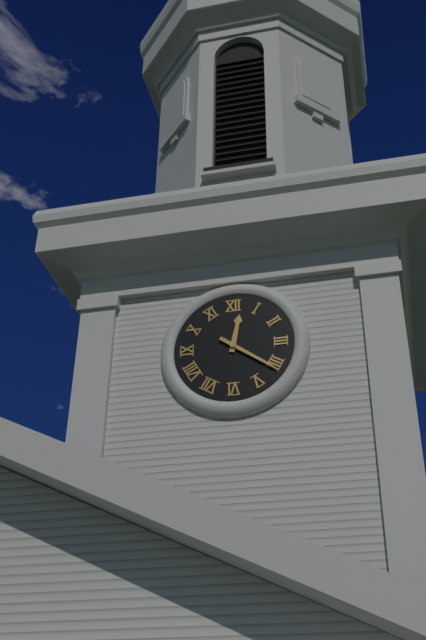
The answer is 12:21
